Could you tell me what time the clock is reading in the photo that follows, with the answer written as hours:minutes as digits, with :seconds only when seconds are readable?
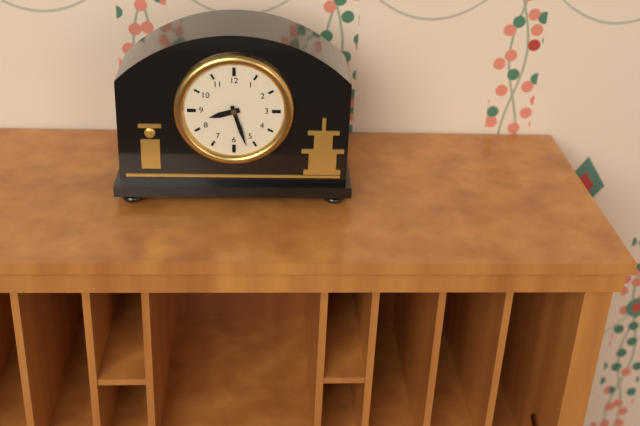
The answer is 8:27
